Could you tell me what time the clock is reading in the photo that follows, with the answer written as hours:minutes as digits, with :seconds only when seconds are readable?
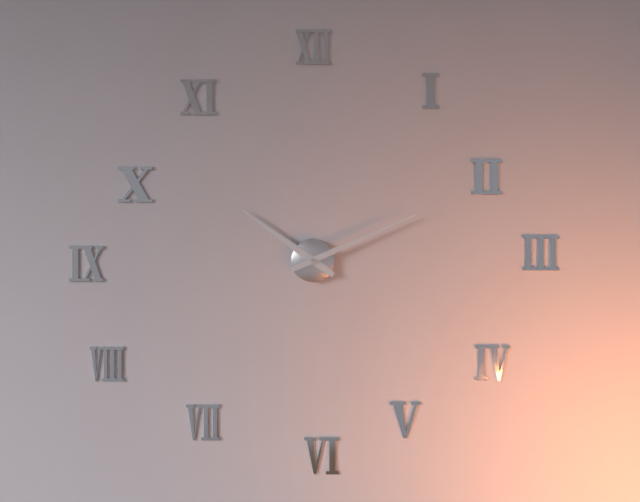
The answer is 10:11
